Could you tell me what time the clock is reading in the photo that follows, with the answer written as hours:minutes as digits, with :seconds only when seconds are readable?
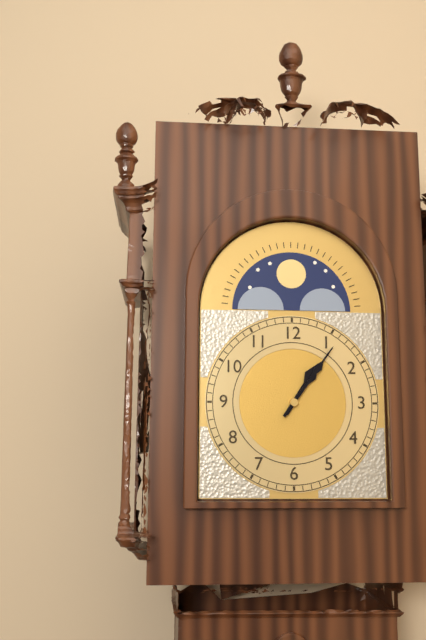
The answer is 1:06
